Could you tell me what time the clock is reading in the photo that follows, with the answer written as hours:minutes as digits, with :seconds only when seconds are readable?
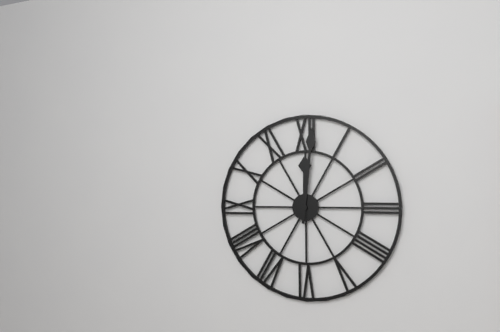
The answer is 12:01
